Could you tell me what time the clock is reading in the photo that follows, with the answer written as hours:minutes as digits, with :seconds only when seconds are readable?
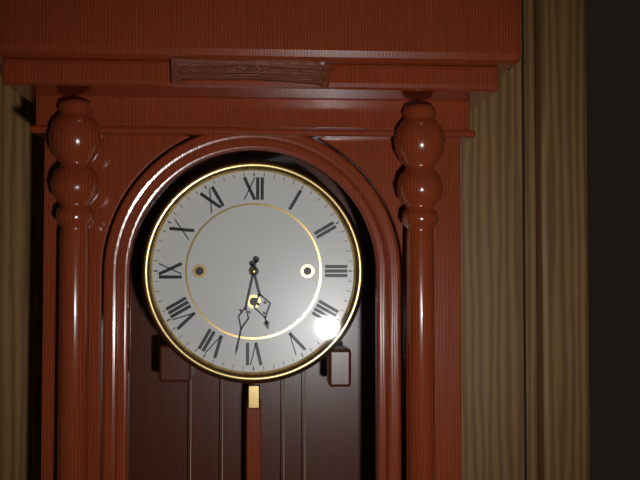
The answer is 5:32
